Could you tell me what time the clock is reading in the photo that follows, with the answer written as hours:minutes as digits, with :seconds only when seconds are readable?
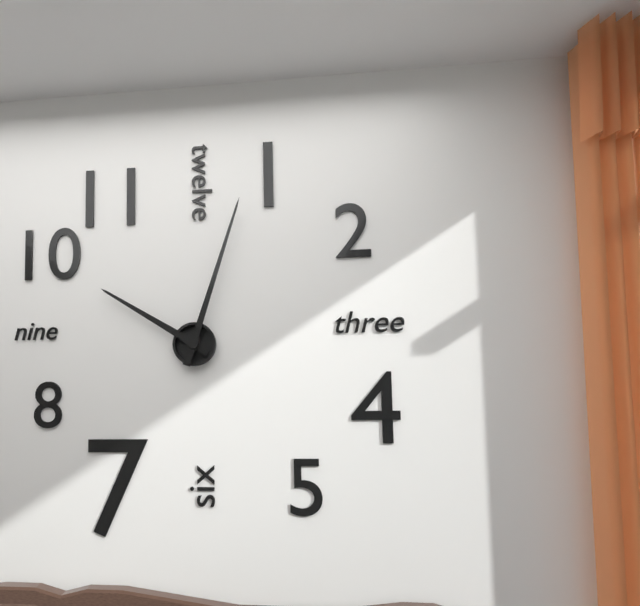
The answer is 10:03
